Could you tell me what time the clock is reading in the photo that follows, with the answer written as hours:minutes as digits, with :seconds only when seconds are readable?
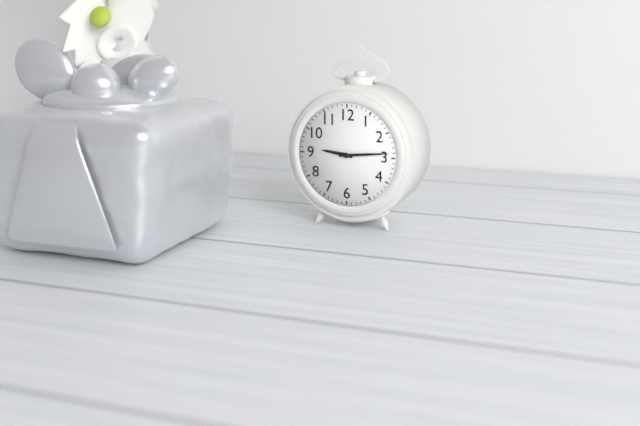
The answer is 9:14
